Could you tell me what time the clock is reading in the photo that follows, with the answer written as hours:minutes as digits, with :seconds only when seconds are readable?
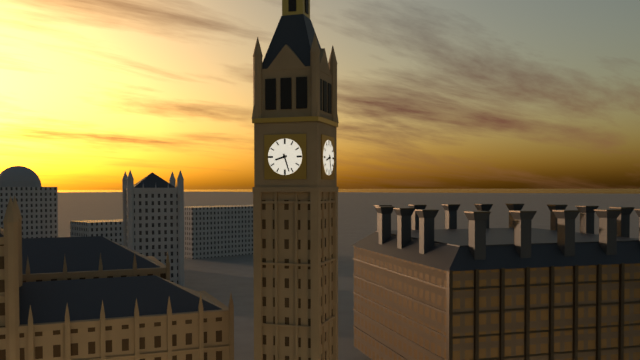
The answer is 8:27
